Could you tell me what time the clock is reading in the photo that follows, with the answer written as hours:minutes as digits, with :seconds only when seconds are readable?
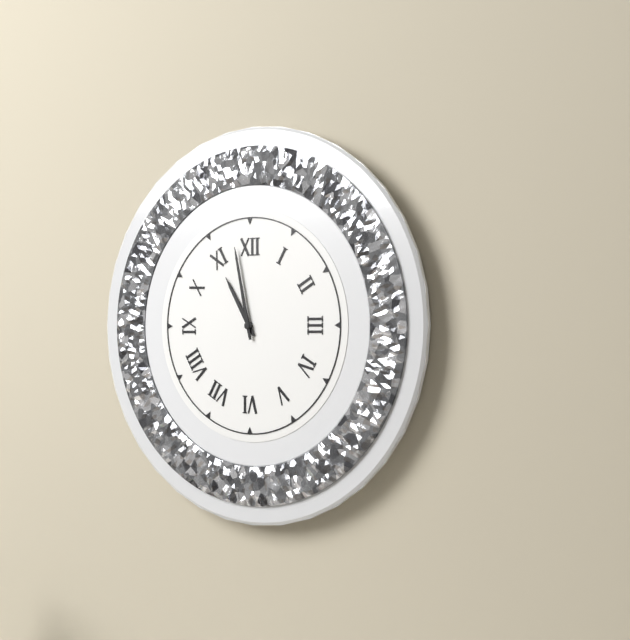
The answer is 10:58
